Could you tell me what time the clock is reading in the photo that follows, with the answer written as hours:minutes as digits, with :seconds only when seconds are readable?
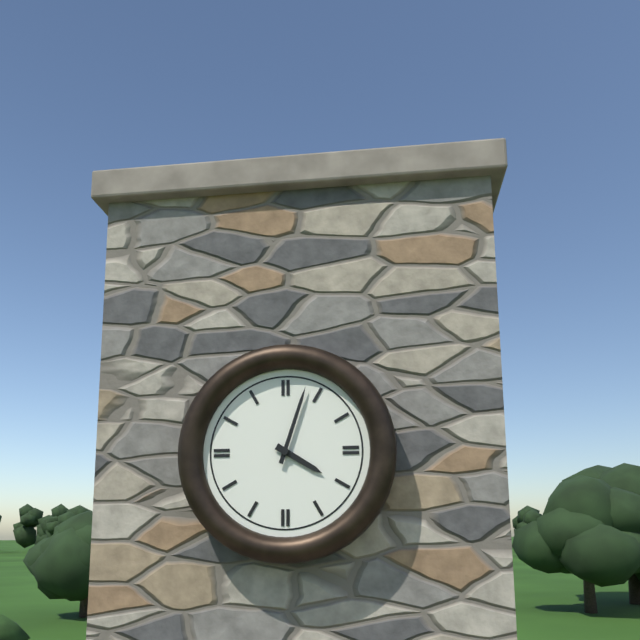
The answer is 4:03
